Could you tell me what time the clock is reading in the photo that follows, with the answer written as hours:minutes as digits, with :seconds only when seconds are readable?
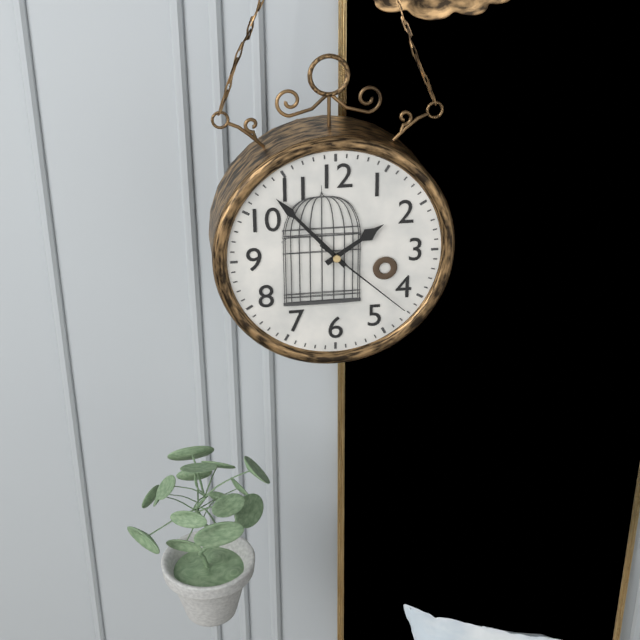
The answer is 1:53:22
